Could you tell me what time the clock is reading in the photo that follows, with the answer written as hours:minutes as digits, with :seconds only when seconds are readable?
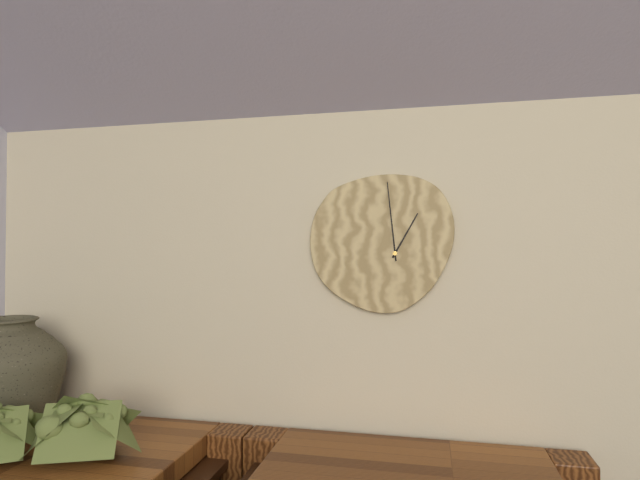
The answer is 12:59
